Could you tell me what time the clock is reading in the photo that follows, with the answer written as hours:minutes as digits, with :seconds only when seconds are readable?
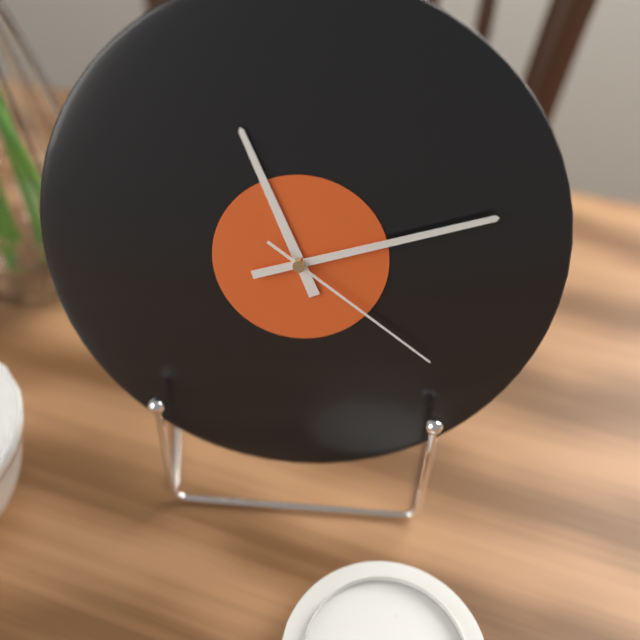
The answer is 11:12:21
